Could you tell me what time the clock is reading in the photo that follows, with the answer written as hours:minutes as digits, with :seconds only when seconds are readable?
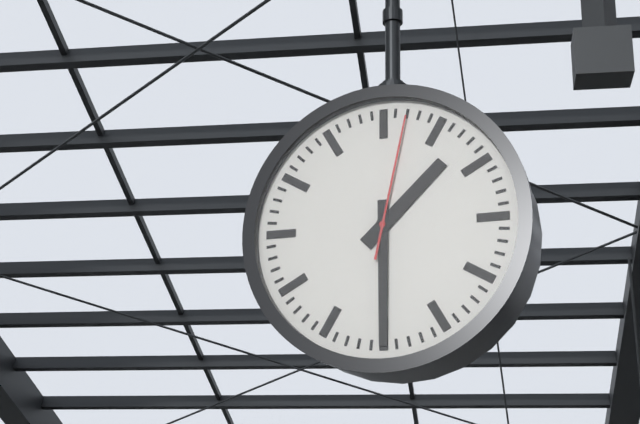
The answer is 1:30:02
